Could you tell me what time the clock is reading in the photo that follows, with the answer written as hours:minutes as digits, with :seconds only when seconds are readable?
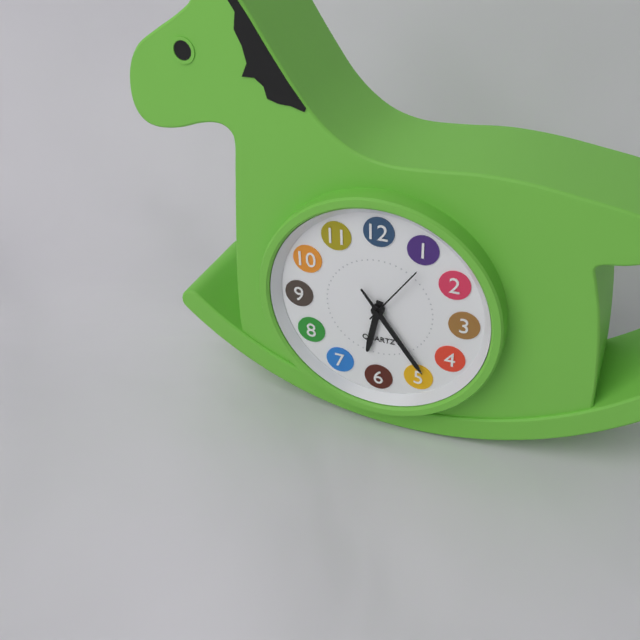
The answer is 6:24:06
